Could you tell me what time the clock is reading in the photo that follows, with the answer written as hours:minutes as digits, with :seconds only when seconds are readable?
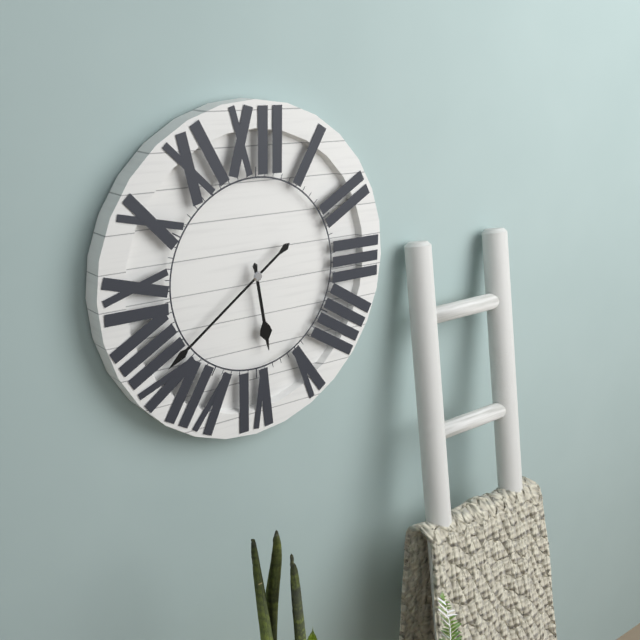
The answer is 5:39
